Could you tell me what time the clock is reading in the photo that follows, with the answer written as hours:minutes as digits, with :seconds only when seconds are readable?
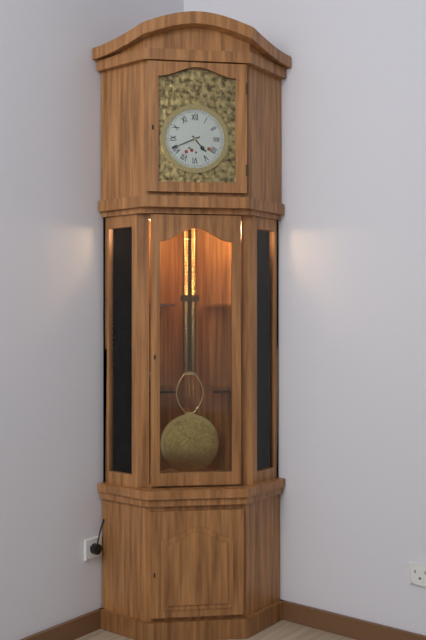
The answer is 4:41
